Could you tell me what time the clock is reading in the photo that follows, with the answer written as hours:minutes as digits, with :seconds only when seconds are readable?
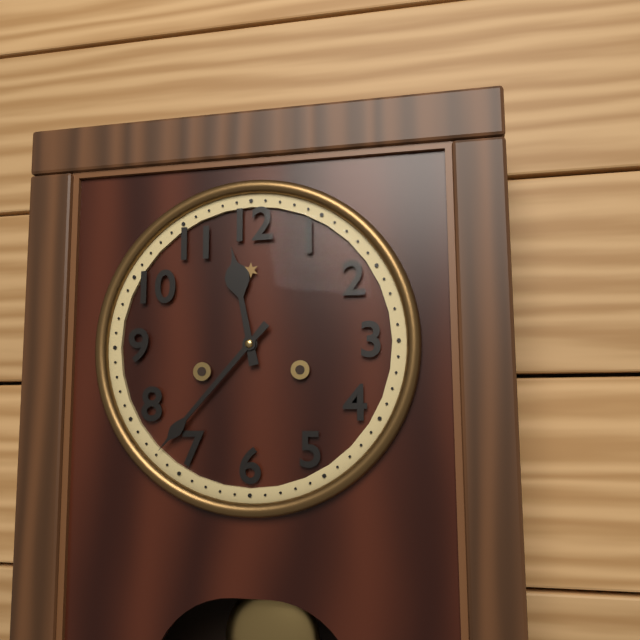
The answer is 11:37
